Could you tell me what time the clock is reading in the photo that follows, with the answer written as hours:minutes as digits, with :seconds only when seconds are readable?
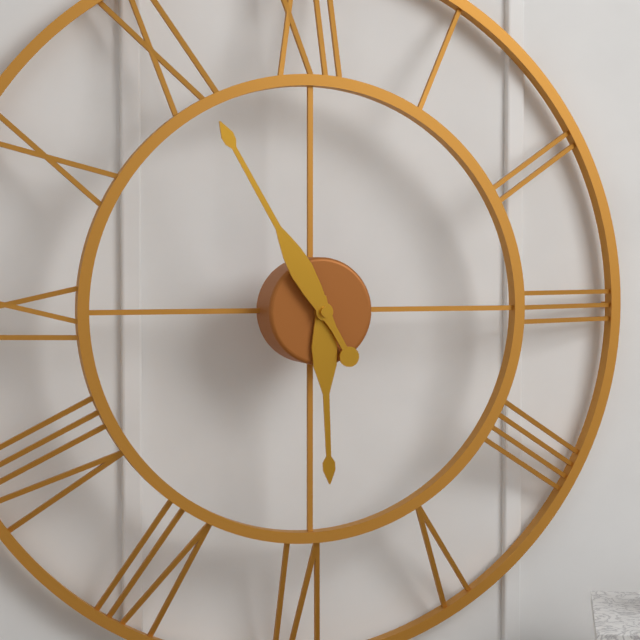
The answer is 5:55
